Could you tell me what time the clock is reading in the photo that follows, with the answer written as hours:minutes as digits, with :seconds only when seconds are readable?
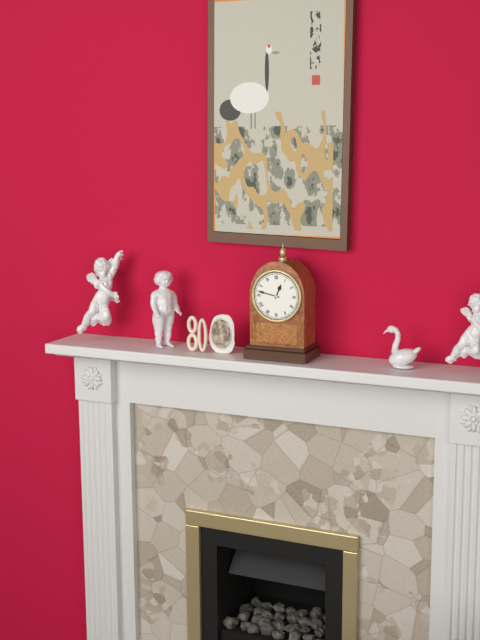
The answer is 12:47
